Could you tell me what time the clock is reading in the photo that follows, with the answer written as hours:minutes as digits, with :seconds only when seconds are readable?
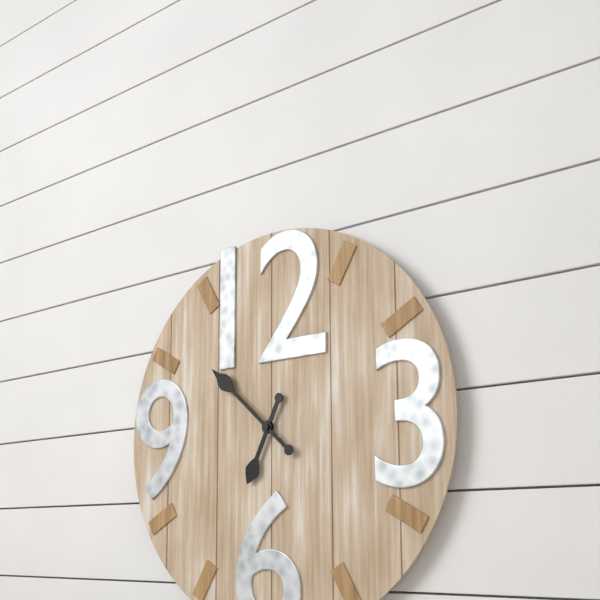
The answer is 6:52
